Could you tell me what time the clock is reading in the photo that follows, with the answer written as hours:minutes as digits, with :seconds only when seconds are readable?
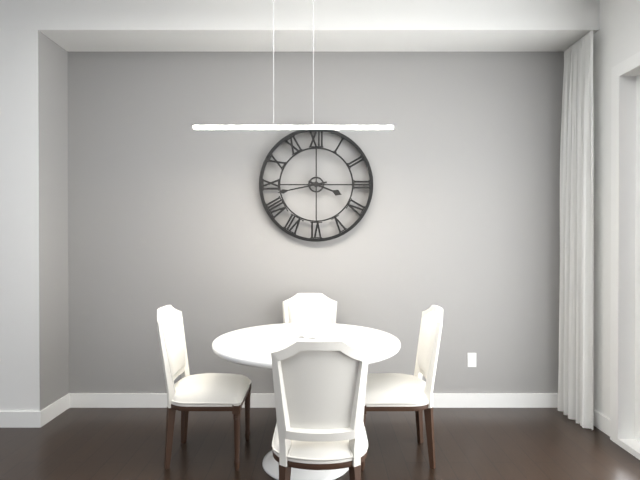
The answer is 3:43
